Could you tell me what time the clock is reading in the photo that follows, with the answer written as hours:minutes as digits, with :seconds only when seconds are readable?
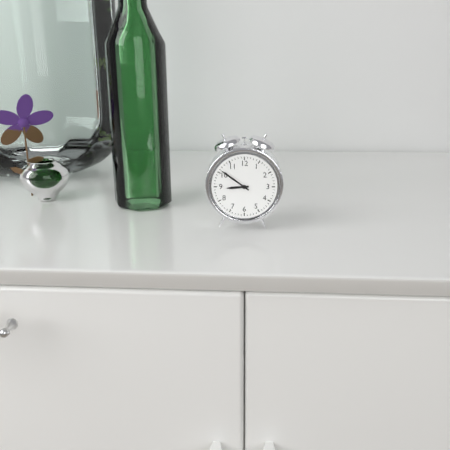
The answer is 8:51
